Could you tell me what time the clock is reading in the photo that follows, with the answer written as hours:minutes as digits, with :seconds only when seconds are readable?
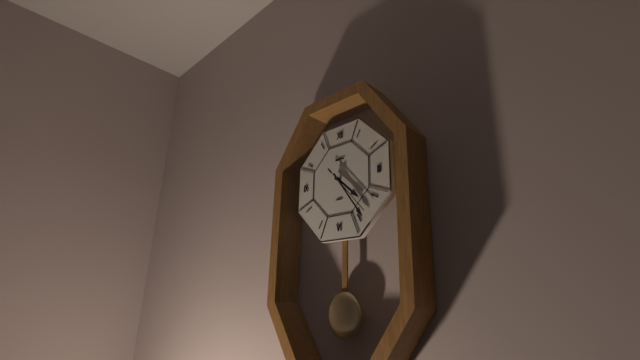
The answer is 4:24
